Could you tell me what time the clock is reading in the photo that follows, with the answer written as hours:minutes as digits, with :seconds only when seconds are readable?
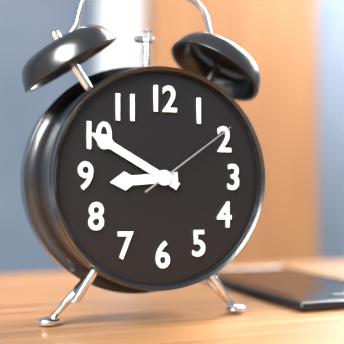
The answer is 8:50:09
